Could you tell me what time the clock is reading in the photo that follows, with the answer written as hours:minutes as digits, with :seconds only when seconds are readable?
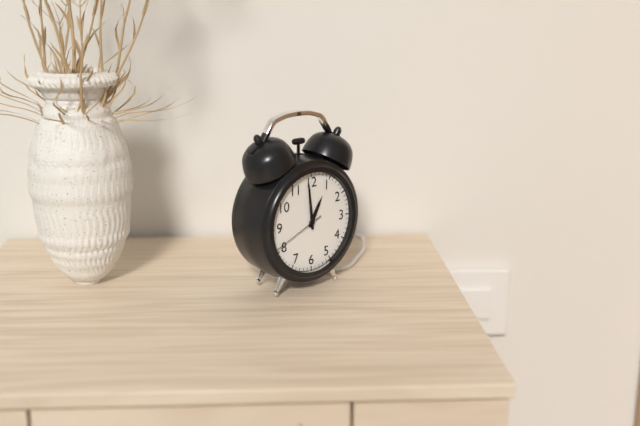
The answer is 12:59:41
